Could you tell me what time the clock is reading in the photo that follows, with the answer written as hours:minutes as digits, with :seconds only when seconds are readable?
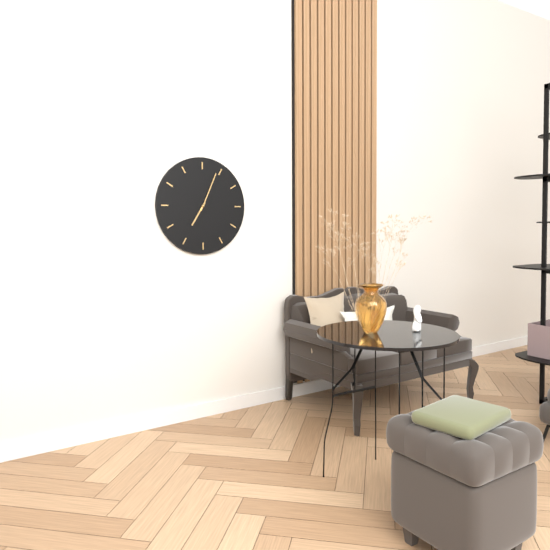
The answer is 7:04
